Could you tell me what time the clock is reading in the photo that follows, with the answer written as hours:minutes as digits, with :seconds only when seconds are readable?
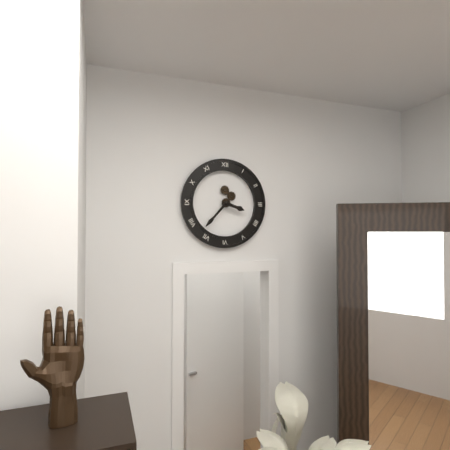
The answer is 3:37
